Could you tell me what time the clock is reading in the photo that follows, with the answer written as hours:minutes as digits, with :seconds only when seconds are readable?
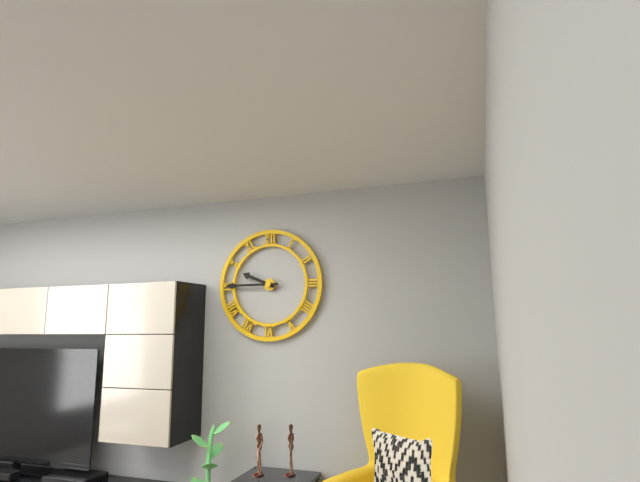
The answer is 9:45
